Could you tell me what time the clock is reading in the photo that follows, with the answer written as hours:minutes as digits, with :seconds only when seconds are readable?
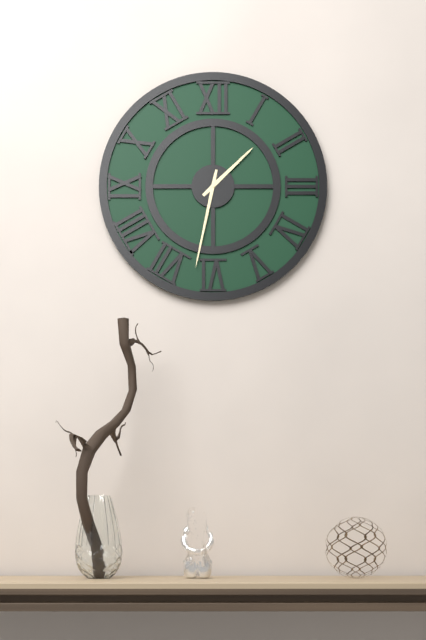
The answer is 1:32
